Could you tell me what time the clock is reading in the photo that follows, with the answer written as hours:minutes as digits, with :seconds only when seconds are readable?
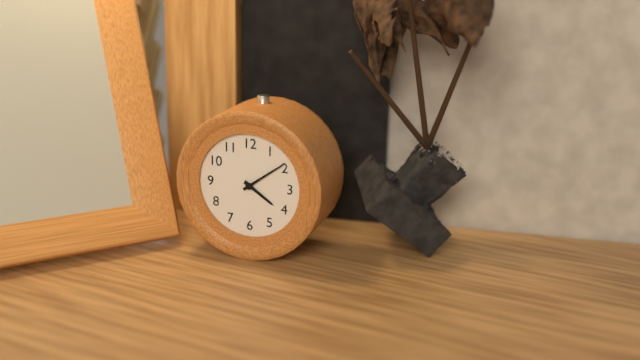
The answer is 4:09
